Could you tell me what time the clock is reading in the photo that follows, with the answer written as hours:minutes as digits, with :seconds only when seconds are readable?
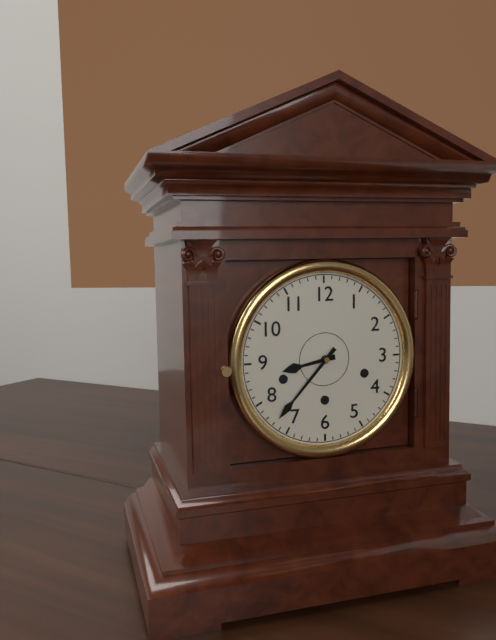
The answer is 8:37
